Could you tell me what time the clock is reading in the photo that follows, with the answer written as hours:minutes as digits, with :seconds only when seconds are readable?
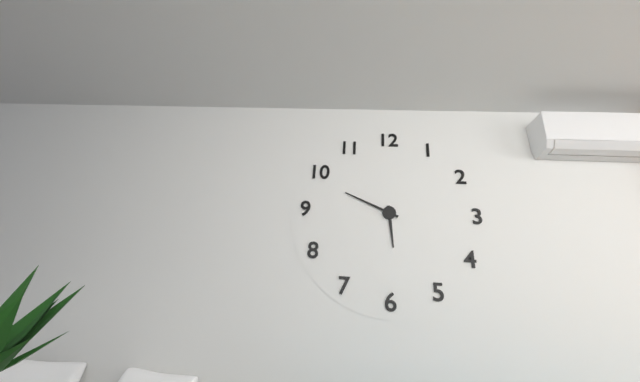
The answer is 5:49
